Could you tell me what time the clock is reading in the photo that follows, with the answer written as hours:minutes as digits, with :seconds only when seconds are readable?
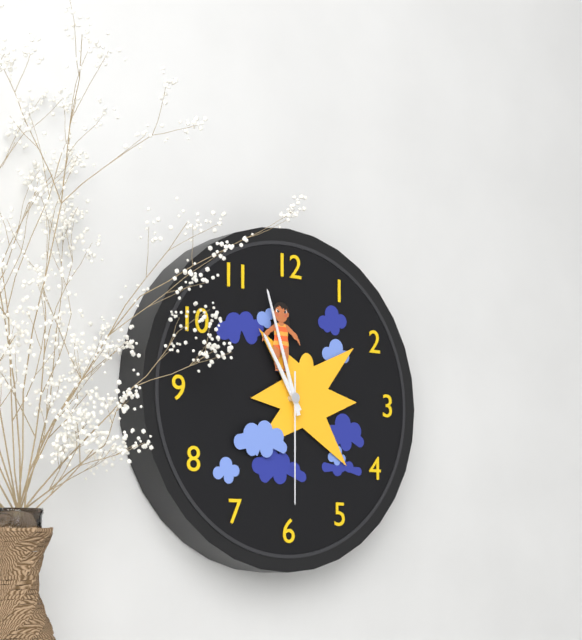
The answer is 10:57:30
